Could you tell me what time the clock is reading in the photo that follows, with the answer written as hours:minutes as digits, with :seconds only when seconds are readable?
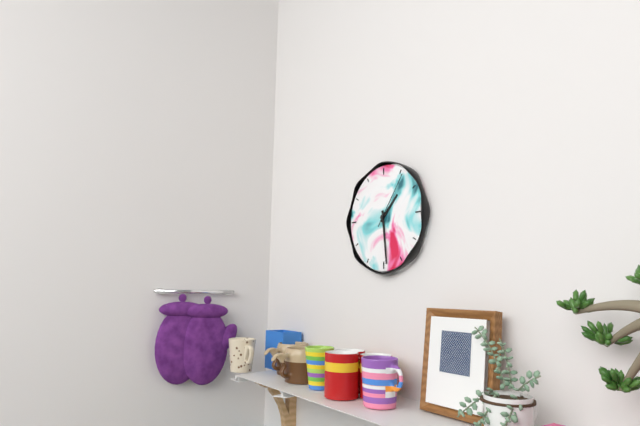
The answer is 1:29:06
